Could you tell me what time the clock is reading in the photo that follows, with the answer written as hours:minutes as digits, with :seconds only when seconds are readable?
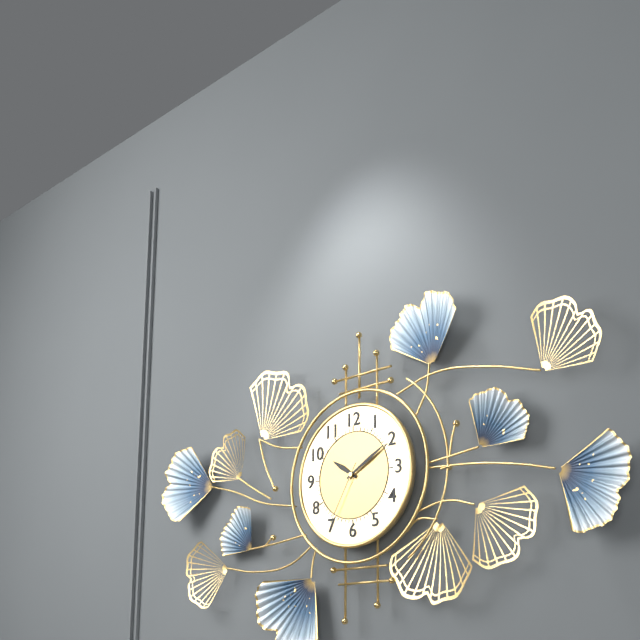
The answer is 10:10:35
